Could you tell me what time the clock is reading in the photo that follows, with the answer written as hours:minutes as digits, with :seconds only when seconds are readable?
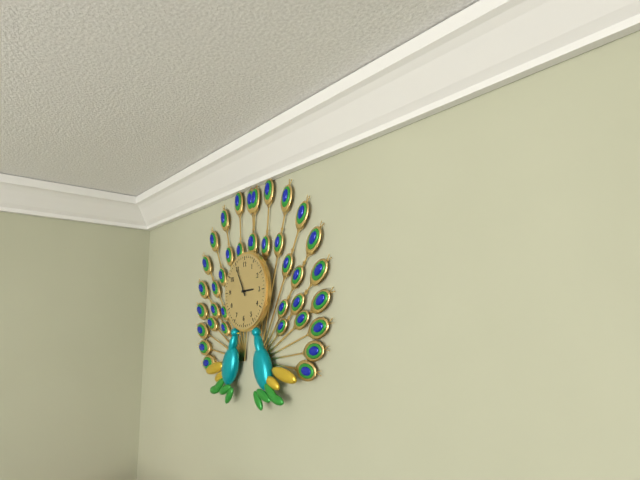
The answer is 2:55
